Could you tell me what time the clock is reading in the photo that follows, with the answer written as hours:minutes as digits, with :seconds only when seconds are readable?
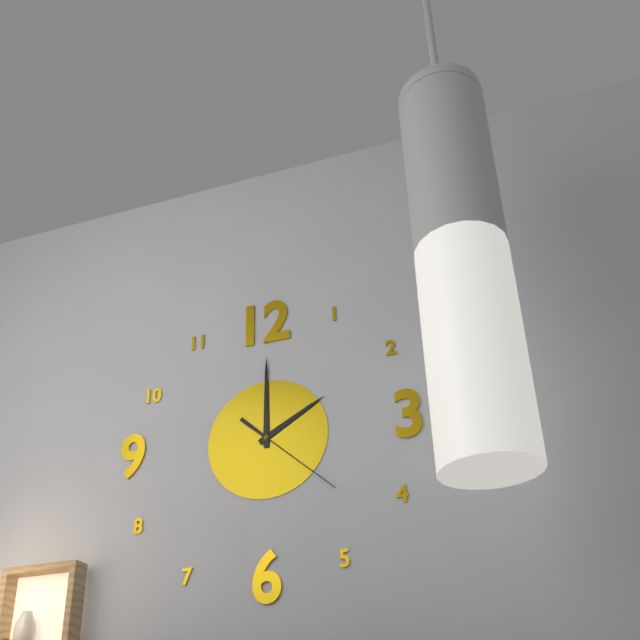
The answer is 2:00:22
